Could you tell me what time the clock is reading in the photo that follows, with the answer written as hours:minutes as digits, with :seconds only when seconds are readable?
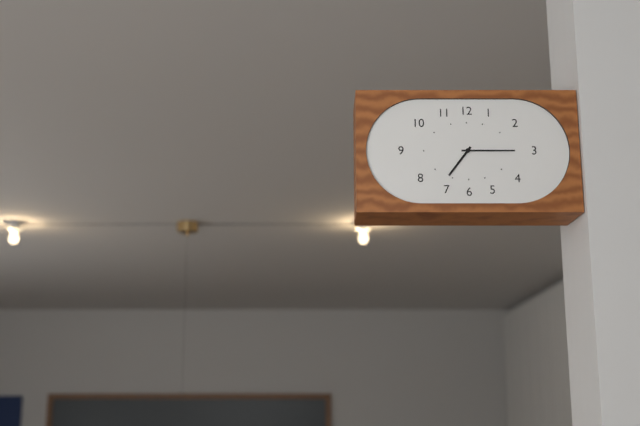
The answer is 7:15
